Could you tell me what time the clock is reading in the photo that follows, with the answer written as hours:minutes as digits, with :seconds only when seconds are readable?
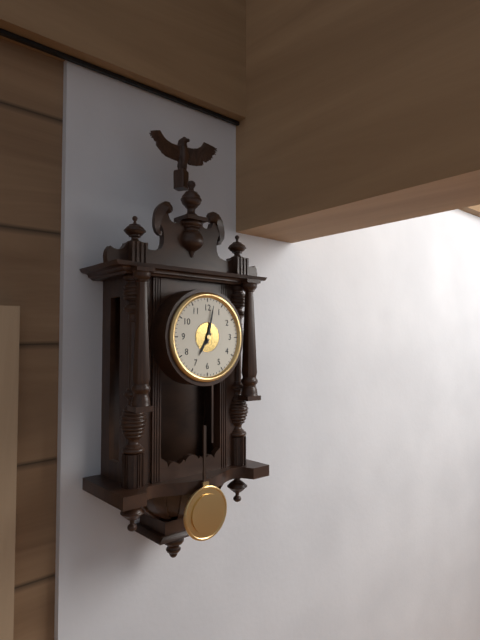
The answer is 7:02
